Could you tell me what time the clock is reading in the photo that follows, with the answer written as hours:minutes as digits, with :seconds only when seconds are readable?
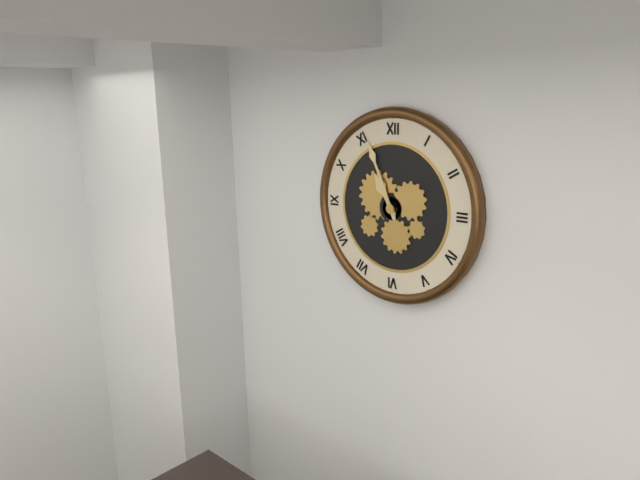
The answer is 10:56
